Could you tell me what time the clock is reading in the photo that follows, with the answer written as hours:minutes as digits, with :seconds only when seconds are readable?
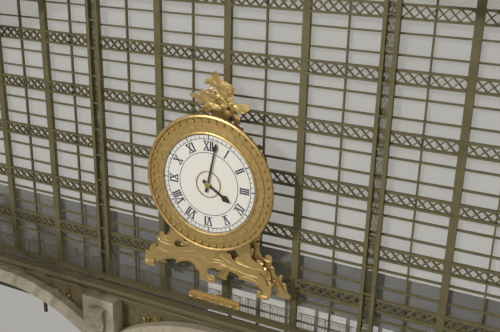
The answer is 4:02
